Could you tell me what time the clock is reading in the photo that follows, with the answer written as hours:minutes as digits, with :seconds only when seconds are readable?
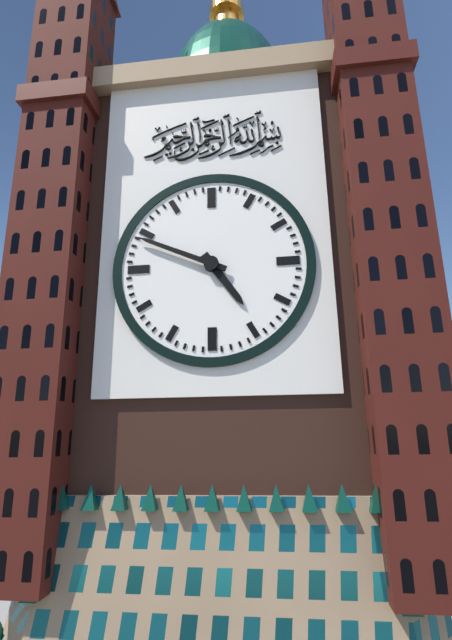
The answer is 4:49
